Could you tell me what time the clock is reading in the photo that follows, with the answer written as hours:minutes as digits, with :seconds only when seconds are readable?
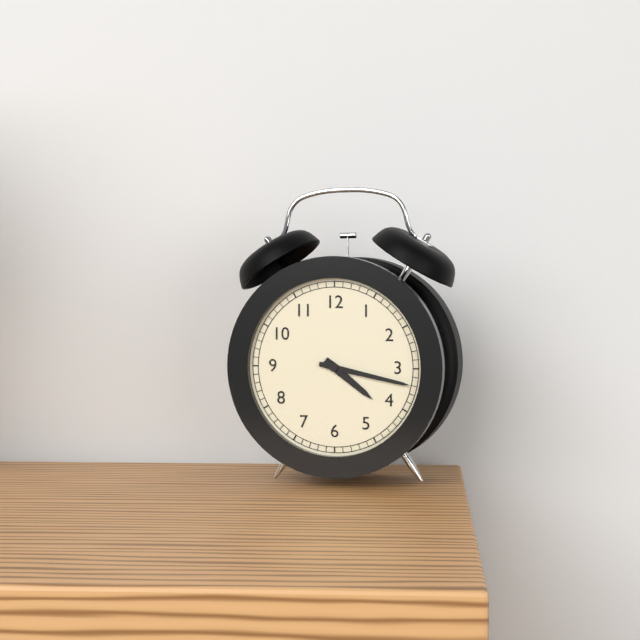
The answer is 4:17
